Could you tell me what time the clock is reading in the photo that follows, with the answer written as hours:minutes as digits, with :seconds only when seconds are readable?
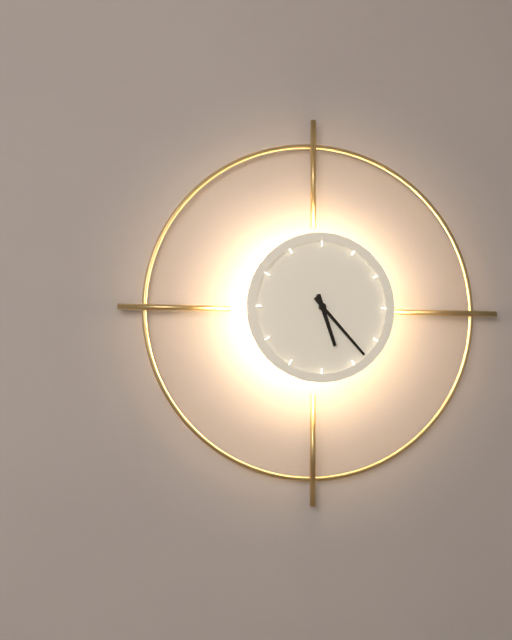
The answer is 5:23
